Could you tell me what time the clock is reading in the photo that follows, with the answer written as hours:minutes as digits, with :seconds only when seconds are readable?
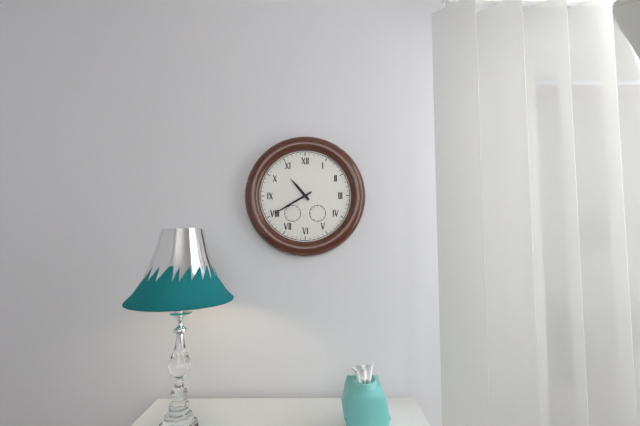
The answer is 10:40
